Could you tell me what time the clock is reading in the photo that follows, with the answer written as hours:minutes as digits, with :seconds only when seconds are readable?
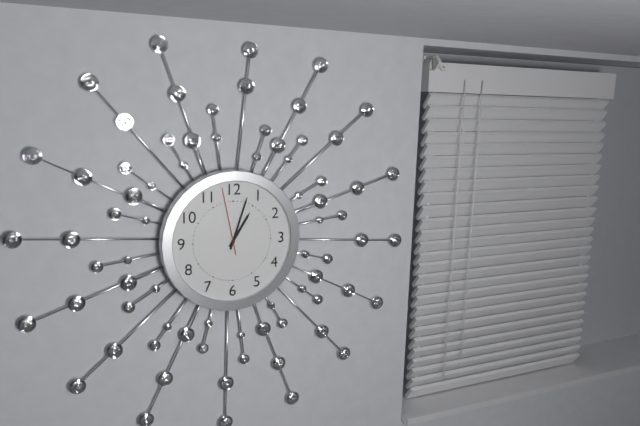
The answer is 1:03:58
